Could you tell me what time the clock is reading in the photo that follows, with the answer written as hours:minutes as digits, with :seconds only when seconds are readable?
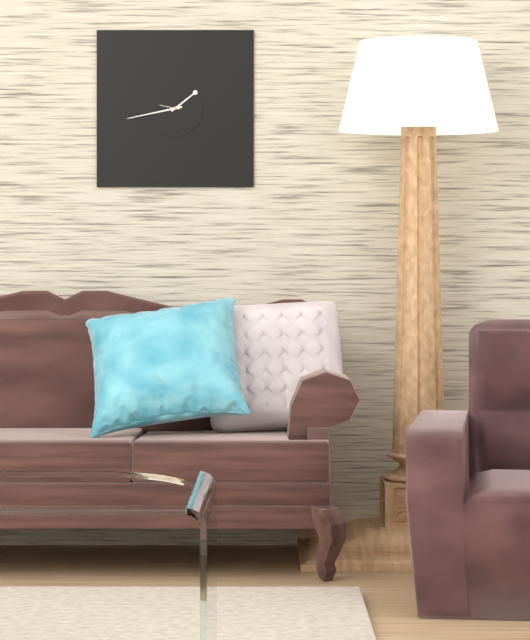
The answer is 1:43
